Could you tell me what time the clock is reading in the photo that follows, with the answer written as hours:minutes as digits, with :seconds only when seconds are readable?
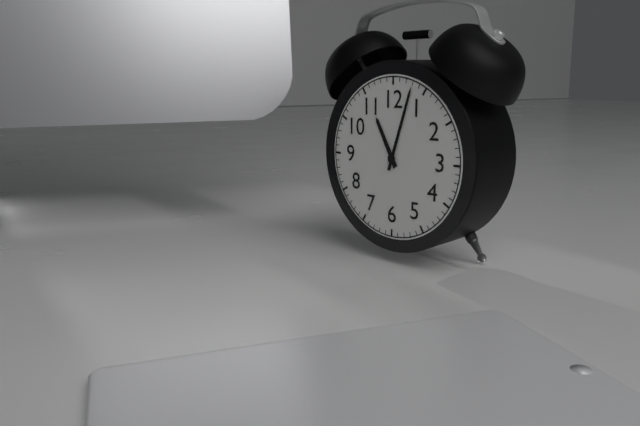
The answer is 11:03
